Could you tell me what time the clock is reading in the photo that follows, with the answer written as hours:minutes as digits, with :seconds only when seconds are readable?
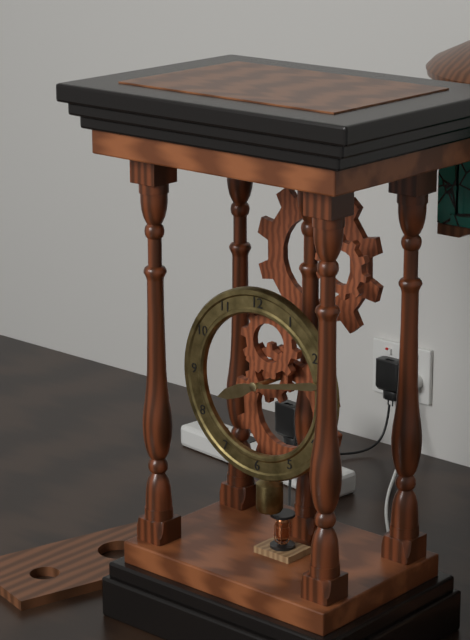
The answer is 8:13
